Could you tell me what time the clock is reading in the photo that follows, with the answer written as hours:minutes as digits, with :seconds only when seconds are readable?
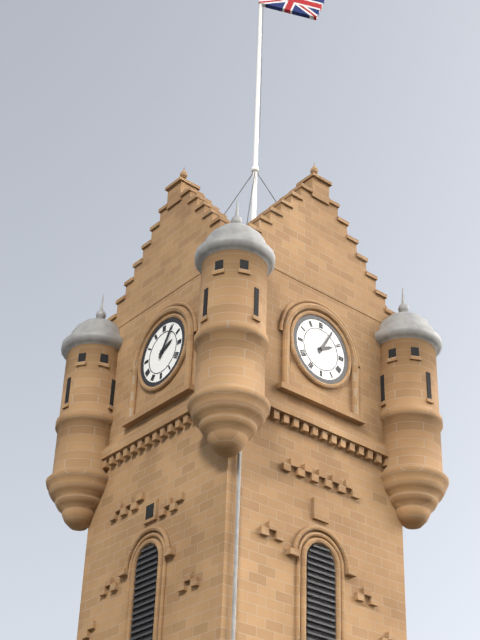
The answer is 2:05
